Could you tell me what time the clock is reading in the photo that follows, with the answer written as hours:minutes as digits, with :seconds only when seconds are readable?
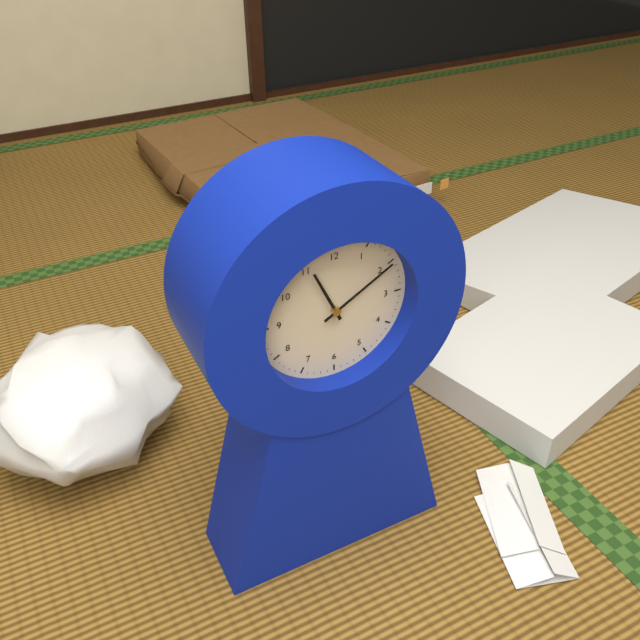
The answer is 11:10
